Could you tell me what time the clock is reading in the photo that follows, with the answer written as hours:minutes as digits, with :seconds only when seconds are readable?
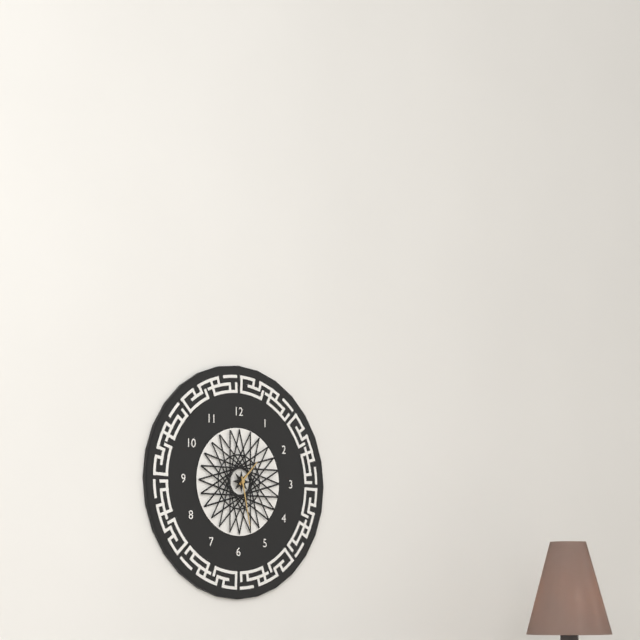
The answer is 1:28
